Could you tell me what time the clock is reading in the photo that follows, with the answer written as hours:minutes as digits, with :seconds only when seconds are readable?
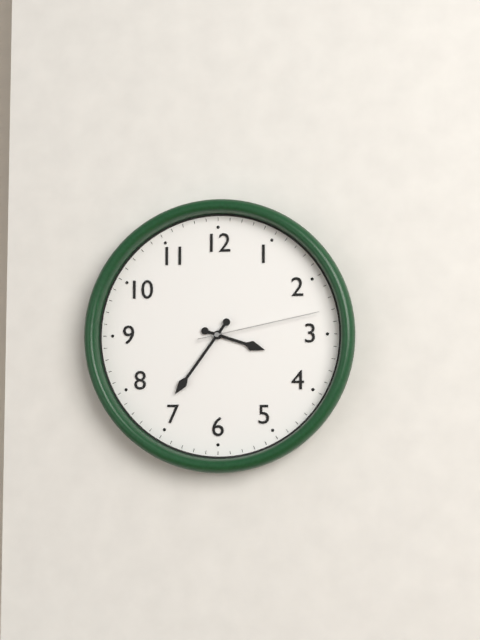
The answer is 3:36:13
